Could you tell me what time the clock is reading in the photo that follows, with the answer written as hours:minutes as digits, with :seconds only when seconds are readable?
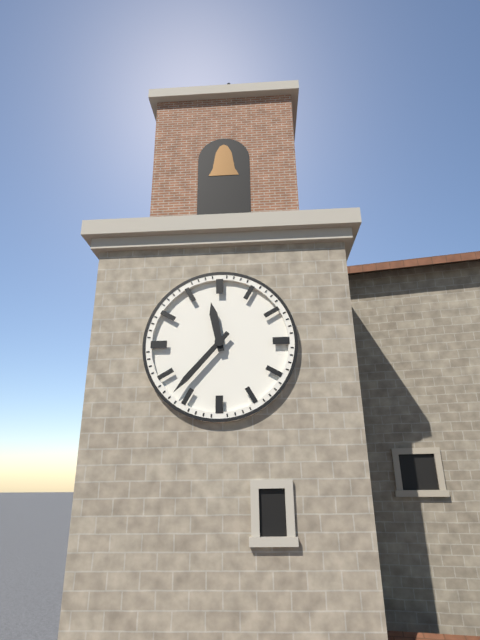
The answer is 11:37
